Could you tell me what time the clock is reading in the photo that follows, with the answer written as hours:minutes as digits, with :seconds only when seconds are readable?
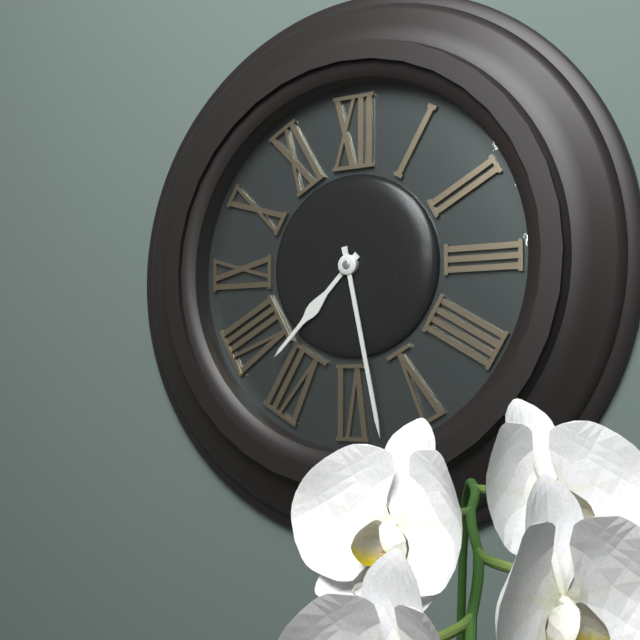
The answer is 7:28
